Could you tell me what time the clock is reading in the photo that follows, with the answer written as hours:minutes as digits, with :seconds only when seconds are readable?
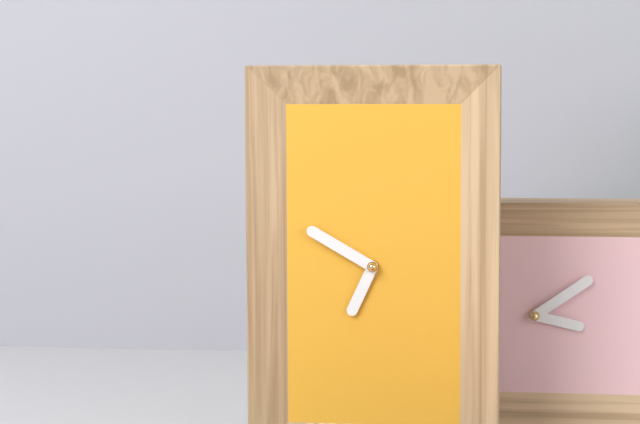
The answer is 6:50
